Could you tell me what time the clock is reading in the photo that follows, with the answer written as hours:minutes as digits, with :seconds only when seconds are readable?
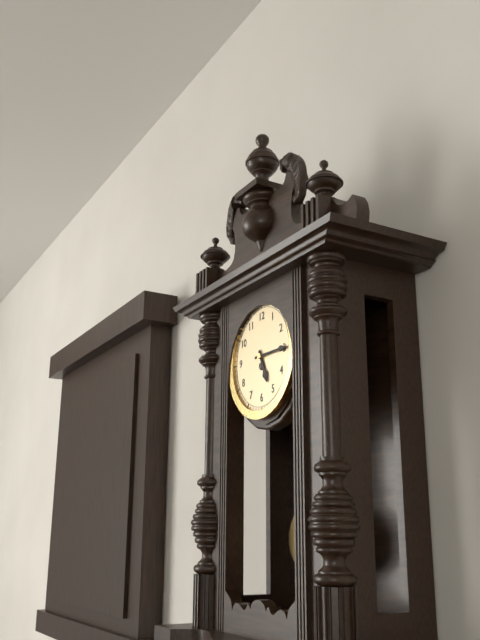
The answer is 5:15
